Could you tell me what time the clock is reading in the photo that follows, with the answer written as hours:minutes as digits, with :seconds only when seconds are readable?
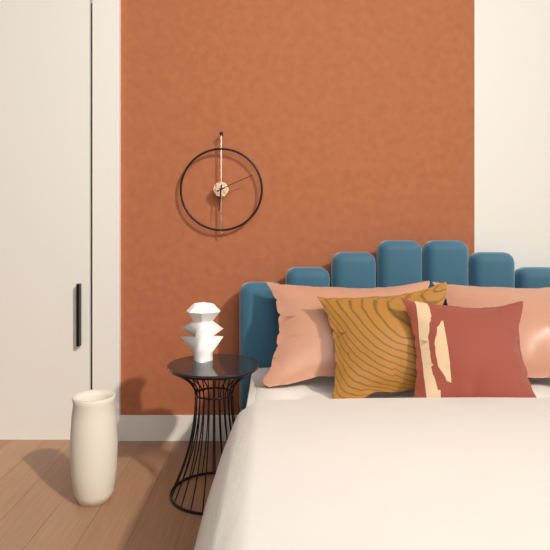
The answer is 6:11
